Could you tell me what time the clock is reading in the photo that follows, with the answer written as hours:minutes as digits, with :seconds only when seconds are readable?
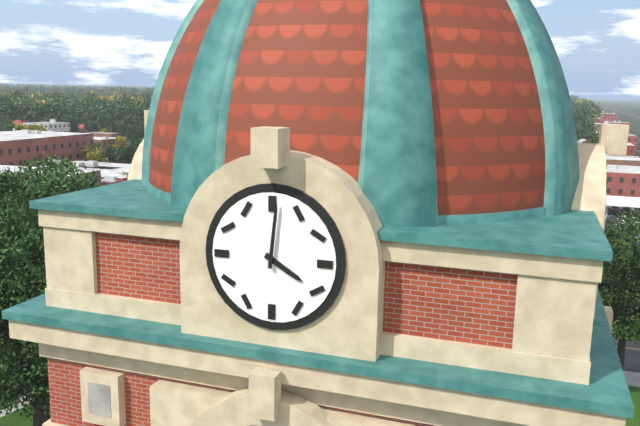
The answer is 4:01
